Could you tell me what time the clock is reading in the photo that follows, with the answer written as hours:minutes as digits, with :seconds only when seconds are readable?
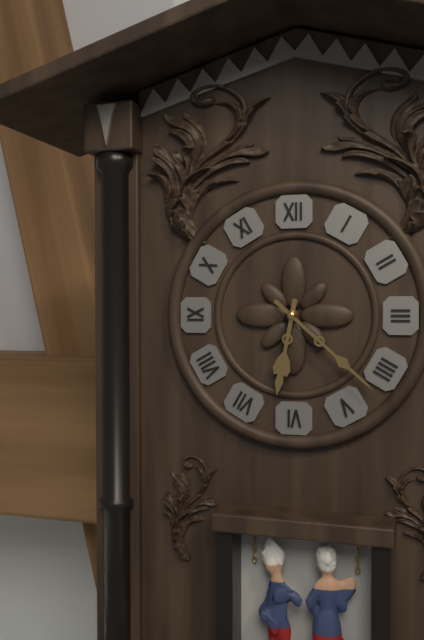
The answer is 6:22
